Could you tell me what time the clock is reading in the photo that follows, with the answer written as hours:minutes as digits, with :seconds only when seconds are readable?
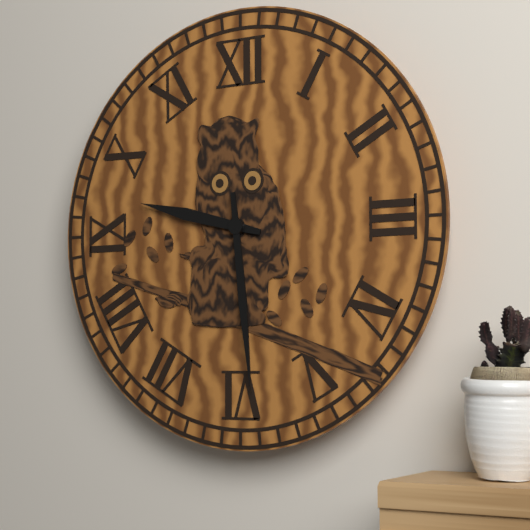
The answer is 9:29
